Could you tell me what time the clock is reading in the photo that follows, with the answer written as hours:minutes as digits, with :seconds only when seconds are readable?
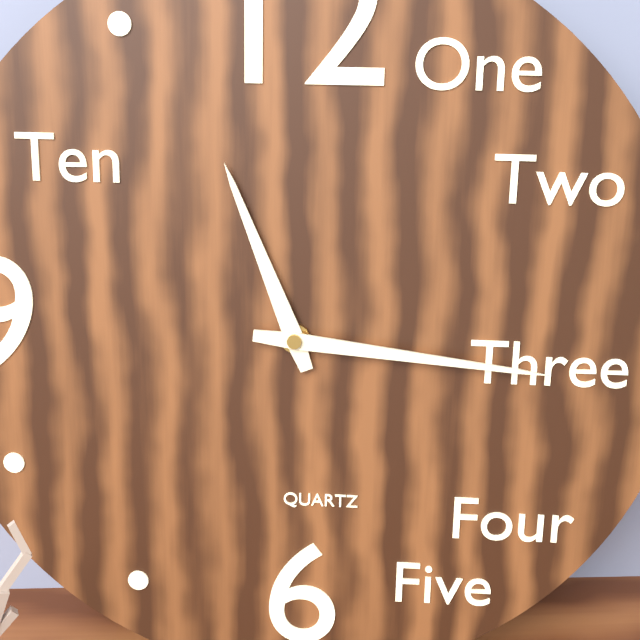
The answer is 11:16
